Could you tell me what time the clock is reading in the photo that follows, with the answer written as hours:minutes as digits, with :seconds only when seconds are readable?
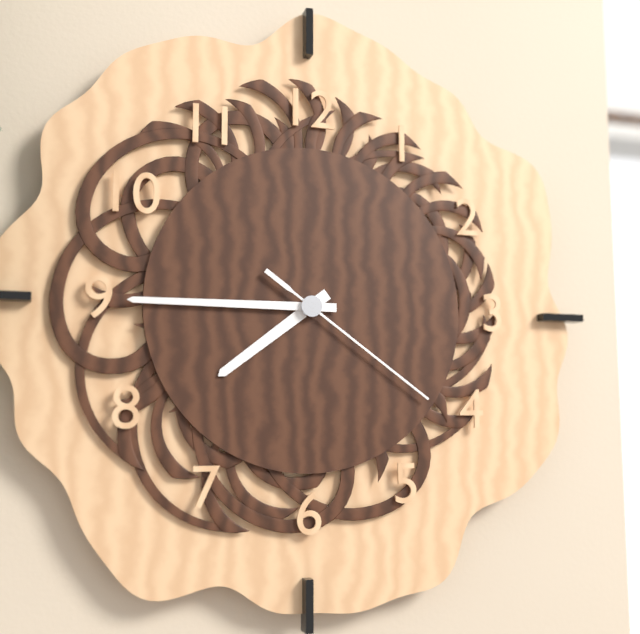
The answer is 7:45:21
